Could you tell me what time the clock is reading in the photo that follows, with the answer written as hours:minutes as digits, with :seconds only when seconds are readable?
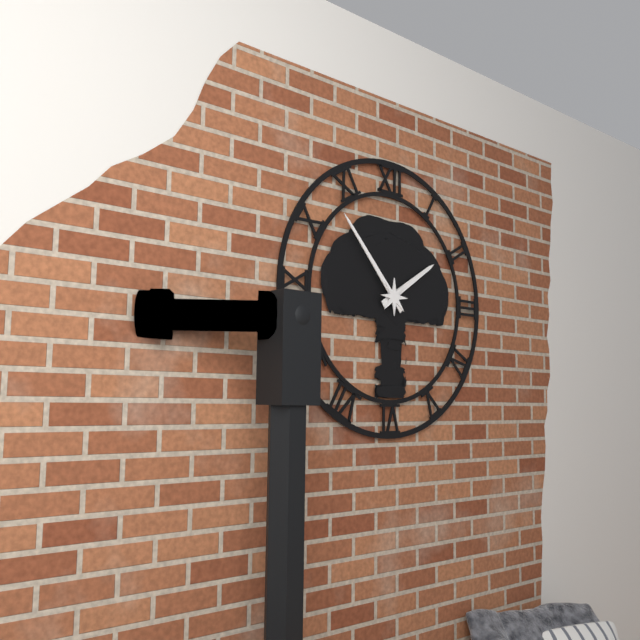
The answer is 1:53
